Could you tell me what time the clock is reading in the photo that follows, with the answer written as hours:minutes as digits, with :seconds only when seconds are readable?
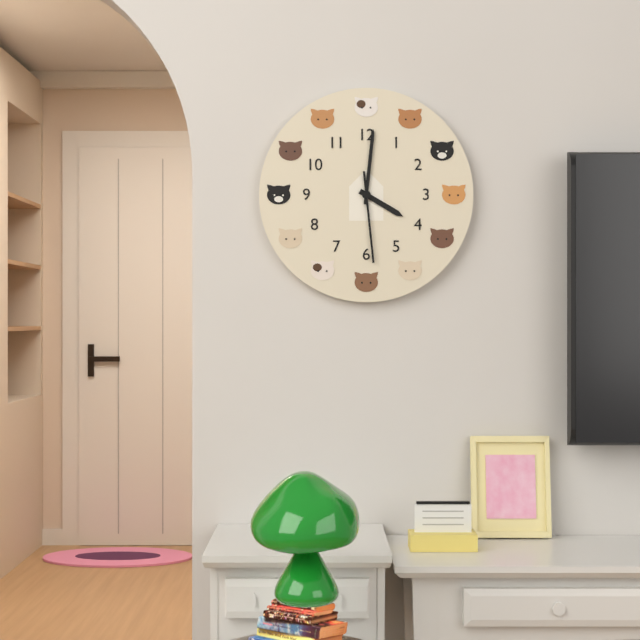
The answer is 4:01:29
